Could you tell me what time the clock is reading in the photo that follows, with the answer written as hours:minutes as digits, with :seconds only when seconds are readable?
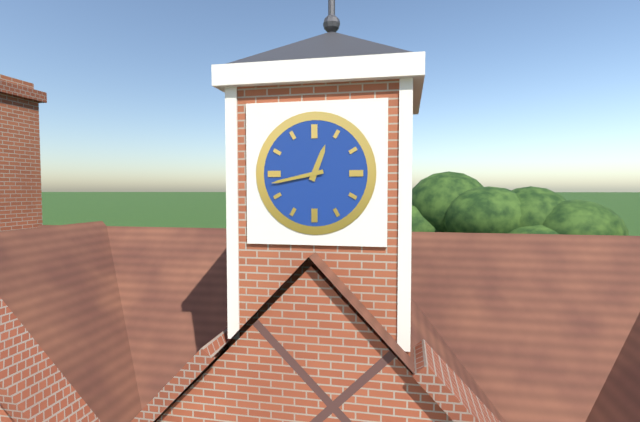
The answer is 12:43
